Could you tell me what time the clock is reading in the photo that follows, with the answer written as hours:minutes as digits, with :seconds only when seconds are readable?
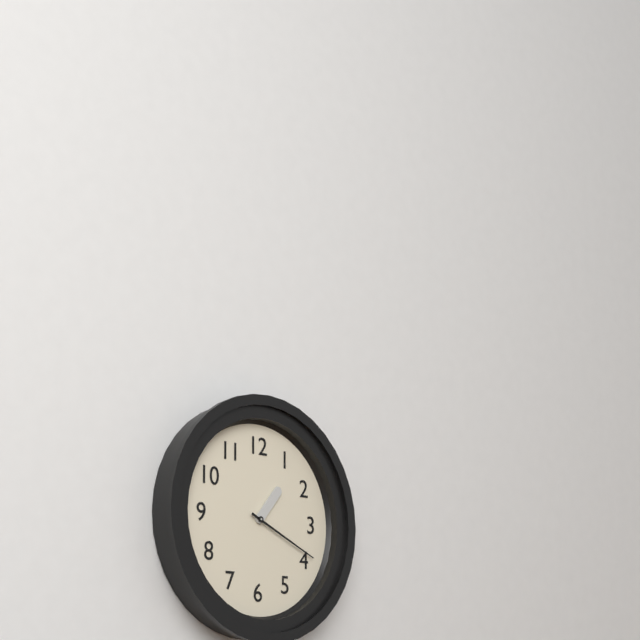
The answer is 1:19
